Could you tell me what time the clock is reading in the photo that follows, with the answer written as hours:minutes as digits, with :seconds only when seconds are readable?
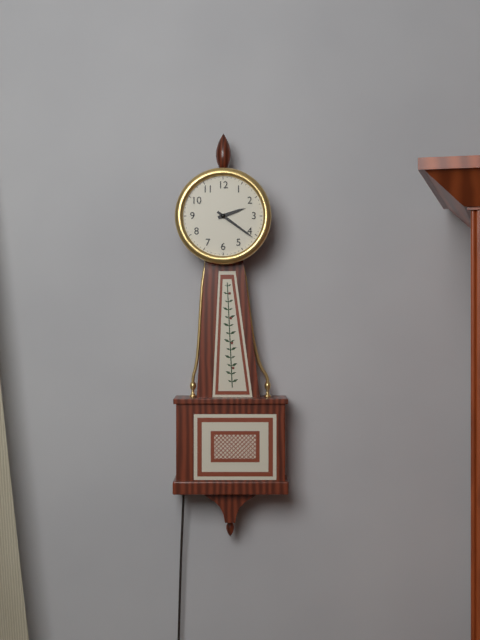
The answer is 2:21
